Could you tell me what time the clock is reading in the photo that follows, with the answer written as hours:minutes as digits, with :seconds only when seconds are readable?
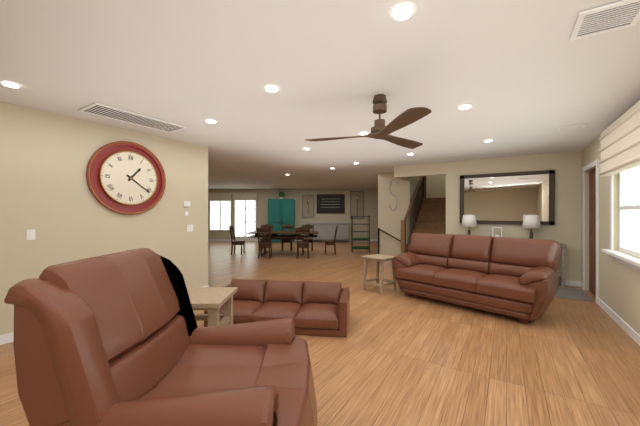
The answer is 1:21
